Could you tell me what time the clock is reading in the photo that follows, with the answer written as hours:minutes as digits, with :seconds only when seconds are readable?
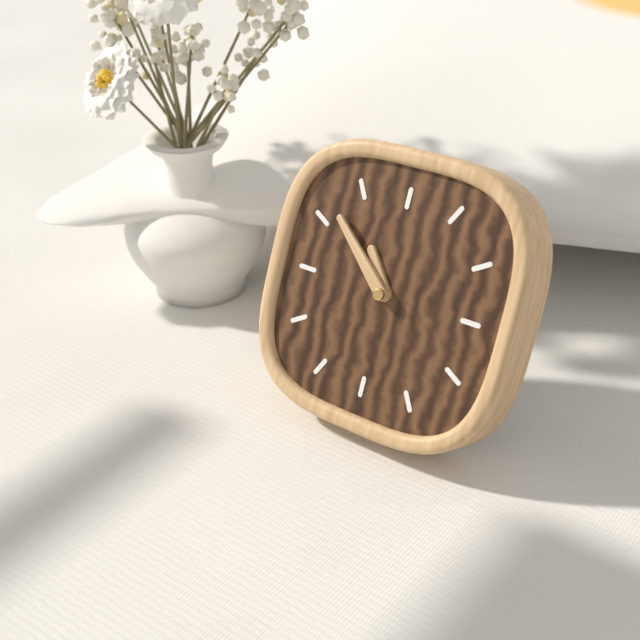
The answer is 10:52
